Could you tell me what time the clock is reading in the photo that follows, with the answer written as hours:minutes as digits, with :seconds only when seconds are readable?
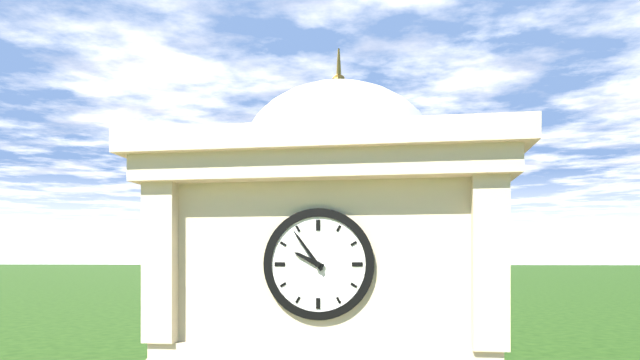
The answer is 9:54
